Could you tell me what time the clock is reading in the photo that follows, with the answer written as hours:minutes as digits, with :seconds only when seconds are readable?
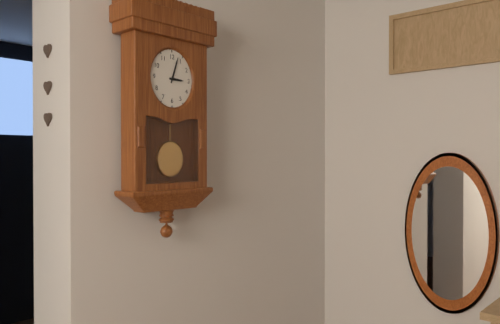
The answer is 3:03
